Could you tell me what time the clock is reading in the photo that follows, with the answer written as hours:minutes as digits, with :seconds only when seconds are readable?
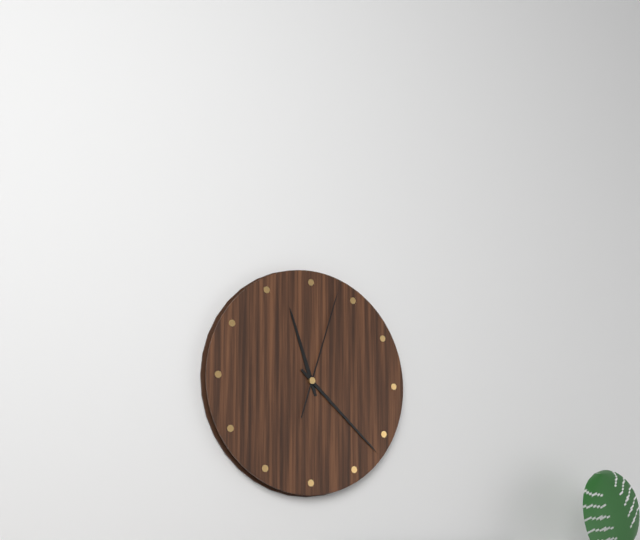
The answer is 11:22:03
